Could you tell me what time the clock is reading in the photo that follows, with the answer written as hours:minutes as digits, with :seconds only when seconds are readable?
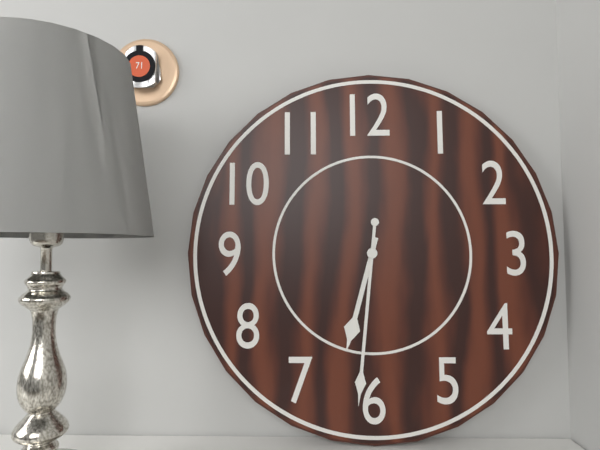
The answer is 6:31
